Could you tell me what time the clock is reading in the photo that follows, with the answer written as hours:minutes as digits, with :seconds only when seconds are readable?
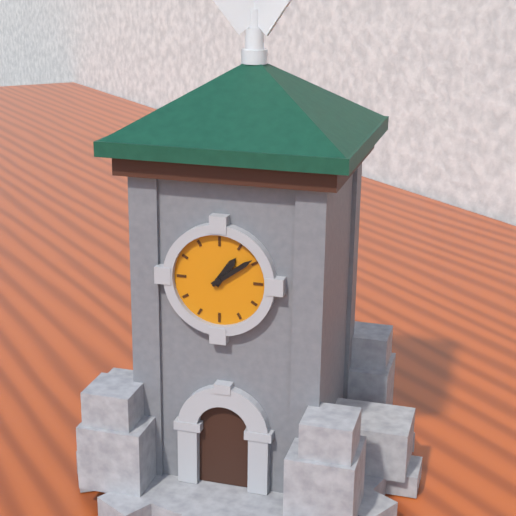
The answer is 1:09
